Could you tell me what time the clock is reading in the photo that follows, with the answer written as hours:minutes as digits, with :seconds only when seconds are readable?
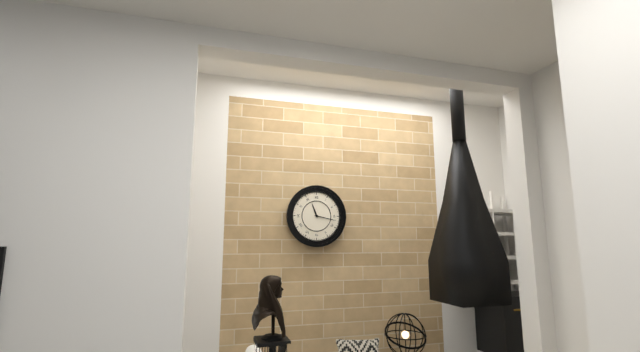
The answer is 11:17
